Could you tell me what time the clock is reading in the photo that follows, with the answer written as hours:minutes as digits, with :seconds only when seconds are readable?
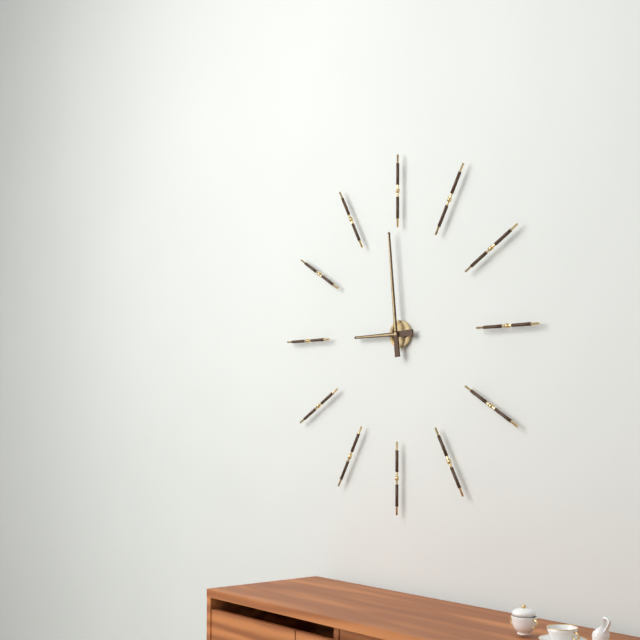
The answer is 8:59
